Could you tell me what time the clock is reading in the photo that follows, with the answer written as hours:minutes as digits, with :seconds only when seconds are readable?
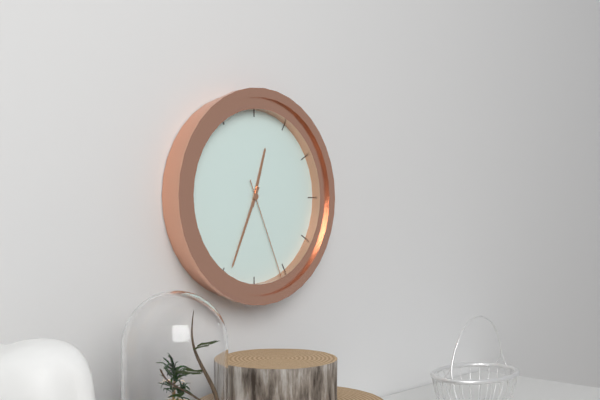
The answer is 12:34:26
